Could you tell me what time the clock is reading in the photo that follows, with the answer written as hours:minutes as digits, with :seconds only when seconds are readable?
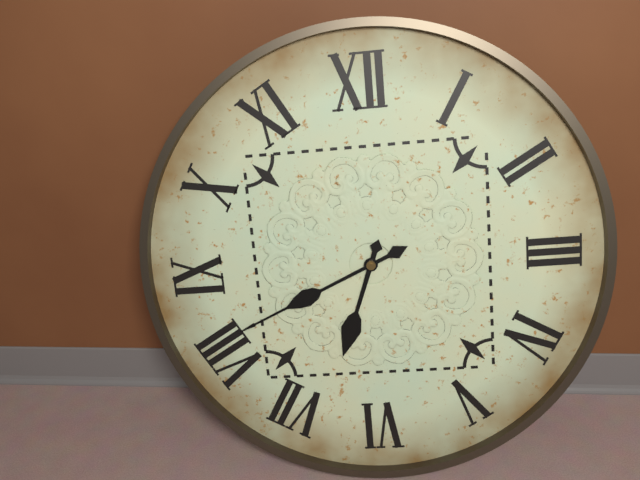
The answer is 6:41
